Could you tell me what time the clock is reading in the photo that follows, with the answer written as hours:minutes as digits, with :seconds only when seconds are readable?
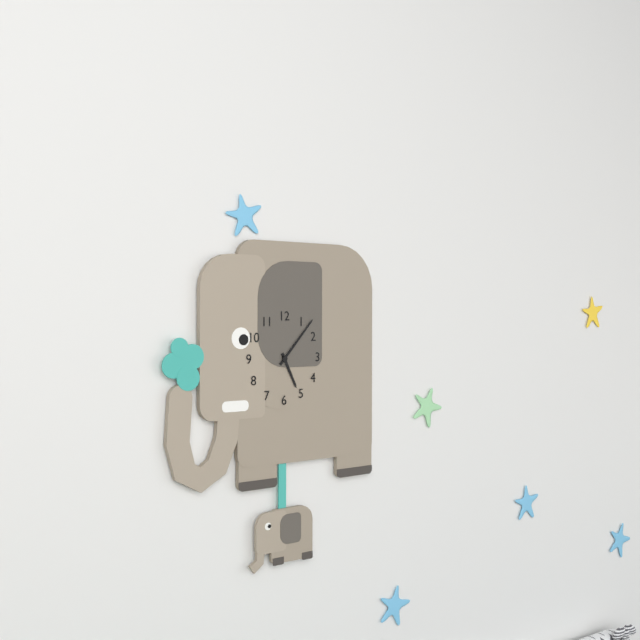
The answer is 5:07
